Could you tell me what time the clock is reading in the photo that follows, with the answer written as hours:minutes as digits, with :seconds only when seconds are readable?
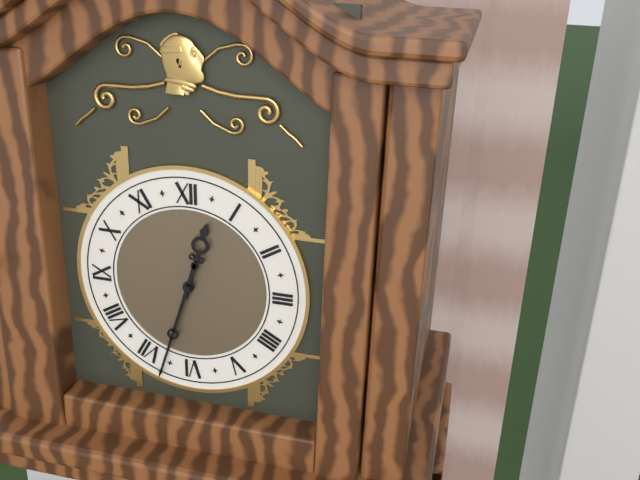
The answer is 12:33
